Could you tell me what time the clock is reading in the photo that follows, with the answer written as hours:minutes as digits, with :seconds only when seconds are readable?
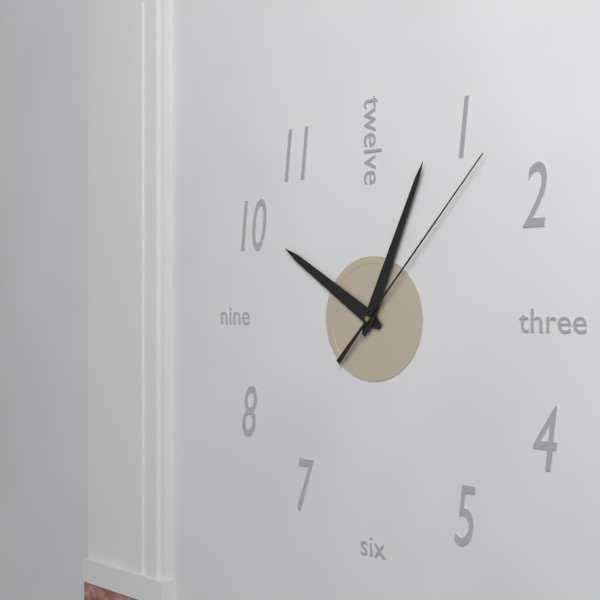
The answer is 10:04:07
